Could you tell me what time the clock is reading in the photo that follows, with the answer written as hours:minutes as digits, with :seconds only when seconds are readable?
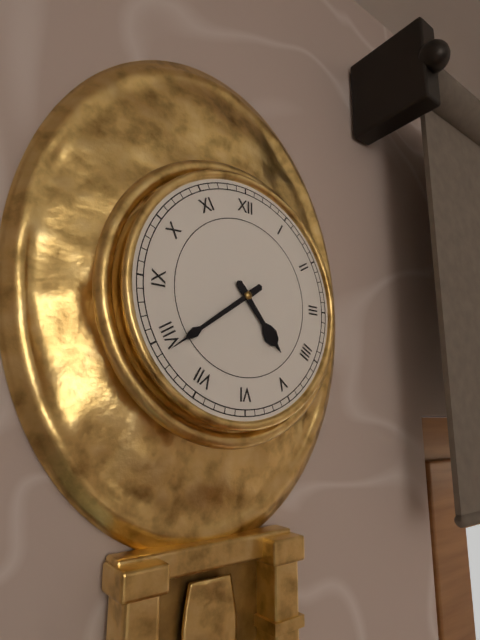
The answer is 4:39
